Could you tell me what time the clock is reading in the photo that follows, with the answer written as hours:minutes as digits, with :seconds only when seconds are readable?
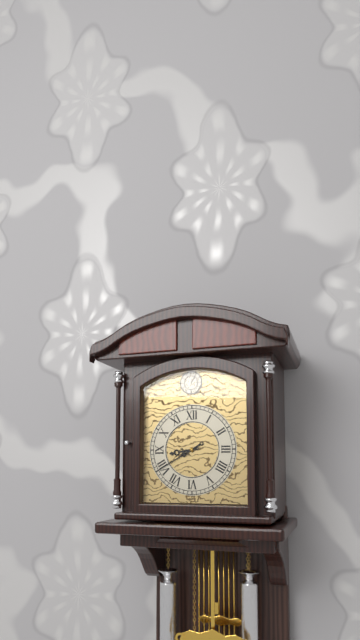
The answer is 8:40
